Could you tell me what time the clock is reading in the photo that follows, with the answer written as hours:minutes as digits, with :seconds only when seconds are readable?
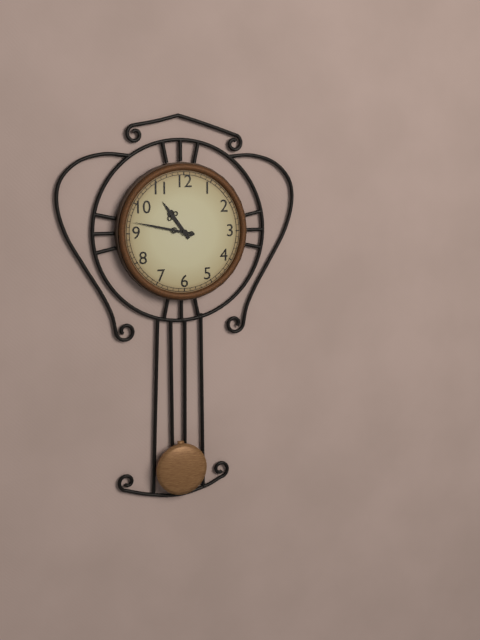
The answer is 10:47
